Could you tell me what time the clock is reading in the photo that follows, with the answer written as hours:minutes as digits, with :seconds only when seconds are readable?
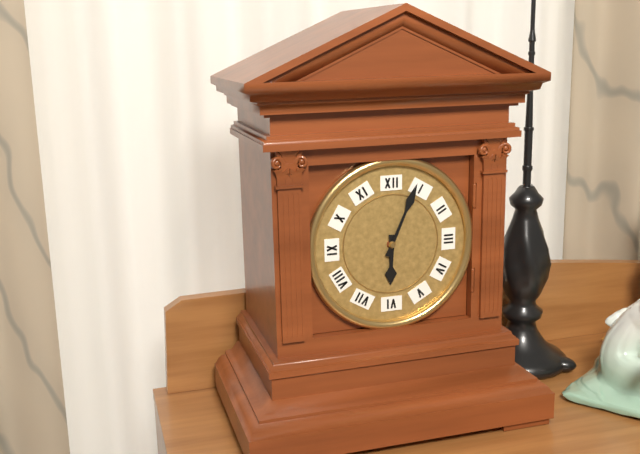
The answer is 6:04
